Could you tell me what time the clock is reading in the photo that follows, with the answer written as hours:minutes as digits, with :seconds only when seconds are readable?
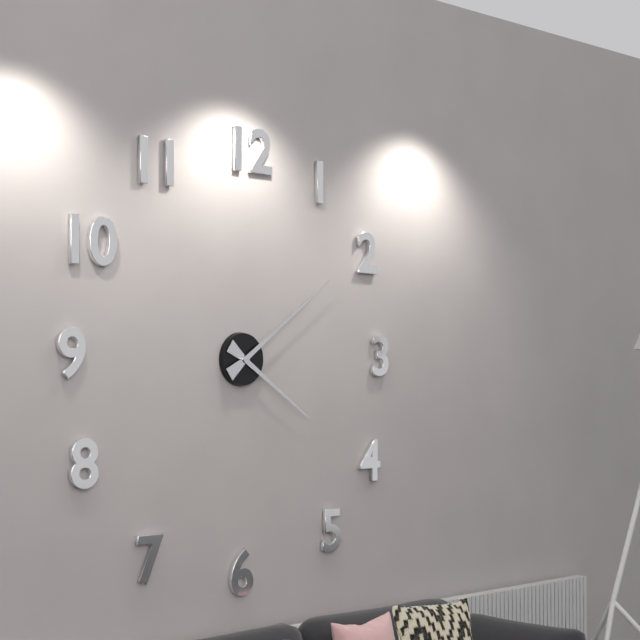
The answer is 4:09
